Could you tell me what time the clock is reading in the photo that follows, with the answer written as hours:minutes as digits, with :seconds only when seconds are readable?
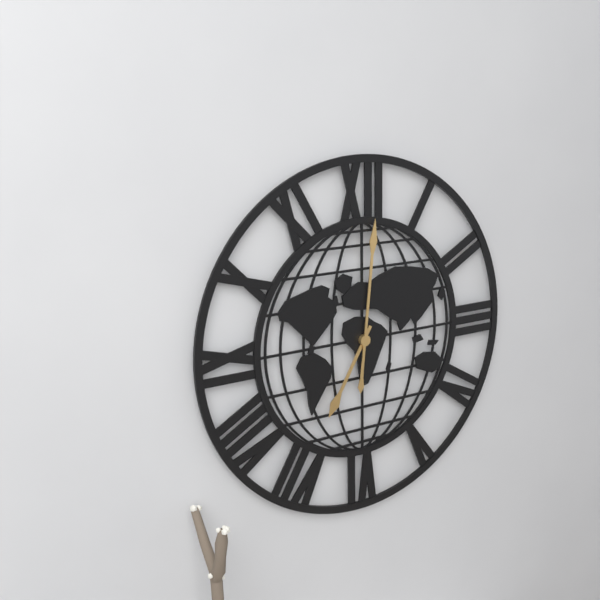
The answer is 7:01
